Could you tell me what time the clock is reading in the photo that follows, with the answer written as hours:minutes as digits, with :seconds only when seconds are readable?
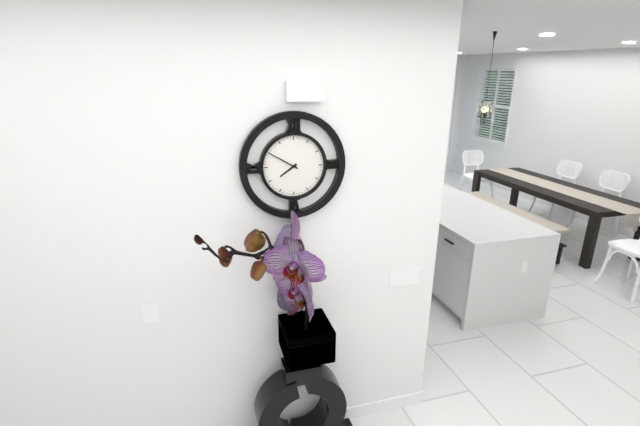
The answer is 7:50
